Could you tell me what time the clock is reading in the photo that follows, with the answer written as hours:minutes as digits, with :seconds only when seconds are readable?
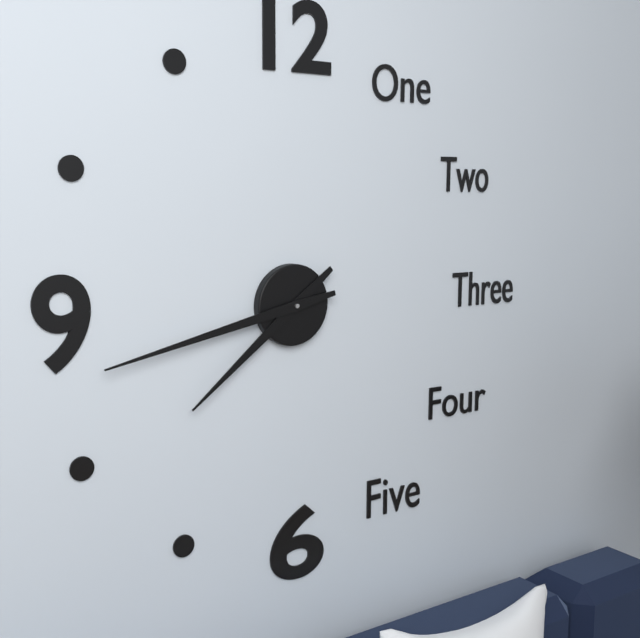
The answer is 7:43
